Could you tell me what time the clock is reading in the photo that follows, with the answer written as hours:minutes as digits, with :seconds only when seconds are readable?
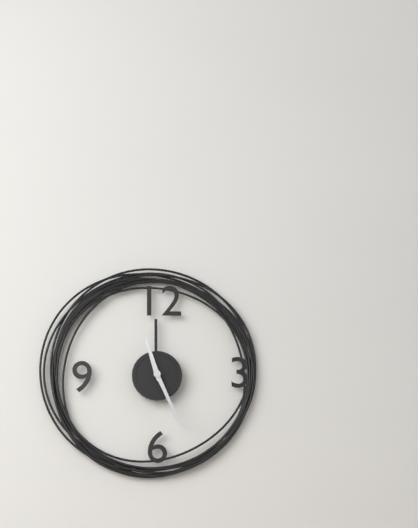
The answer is 11:26
